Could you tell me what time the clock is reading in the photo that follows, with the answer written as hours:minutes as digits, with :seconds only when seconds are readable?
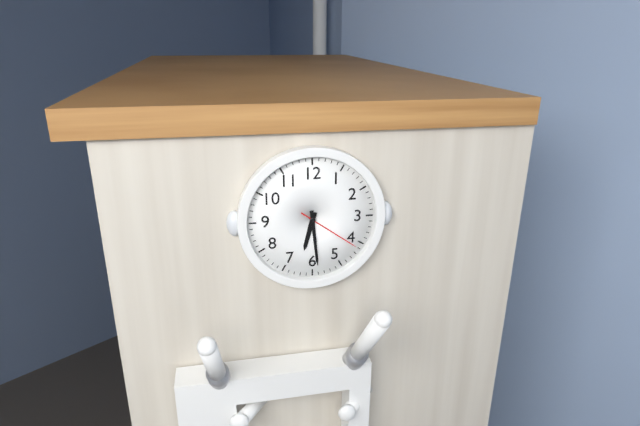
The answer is 6:29:21
